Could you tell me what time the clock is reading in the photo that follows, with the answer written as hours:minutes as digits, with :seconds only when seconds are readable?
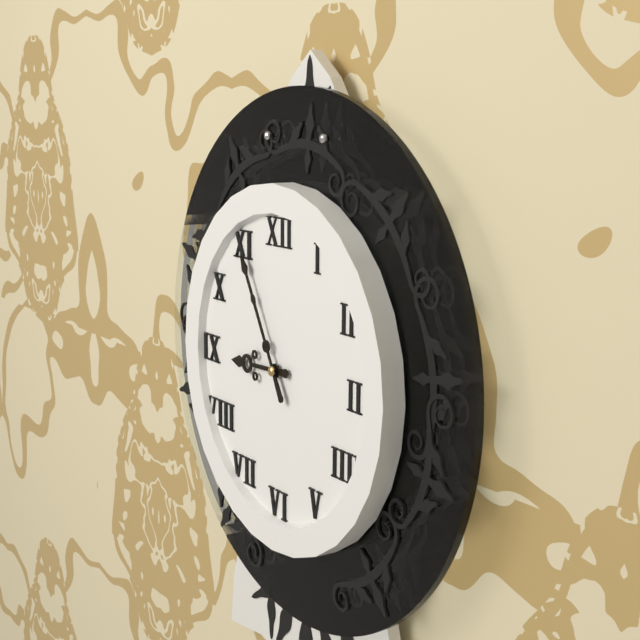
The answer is 8:55
